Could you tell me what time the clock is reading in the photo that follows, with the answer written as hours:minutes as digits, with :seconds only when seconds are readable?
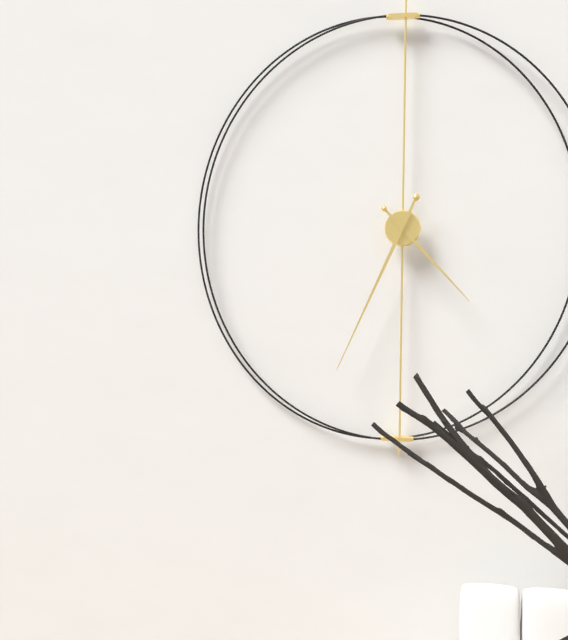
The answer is 4:34
